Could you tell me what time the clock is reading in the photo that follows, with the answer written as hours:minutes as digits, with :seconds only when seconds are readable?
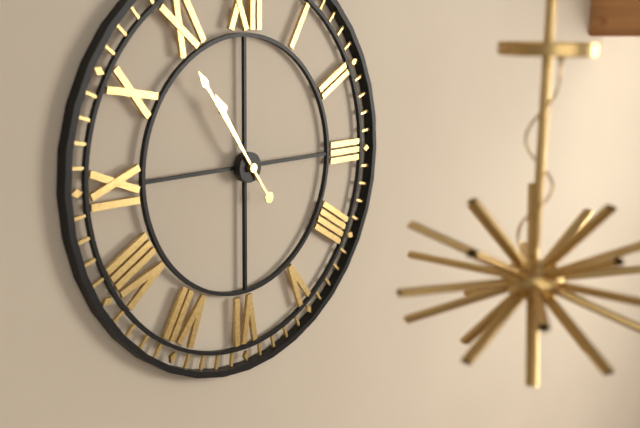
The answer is 10:54
